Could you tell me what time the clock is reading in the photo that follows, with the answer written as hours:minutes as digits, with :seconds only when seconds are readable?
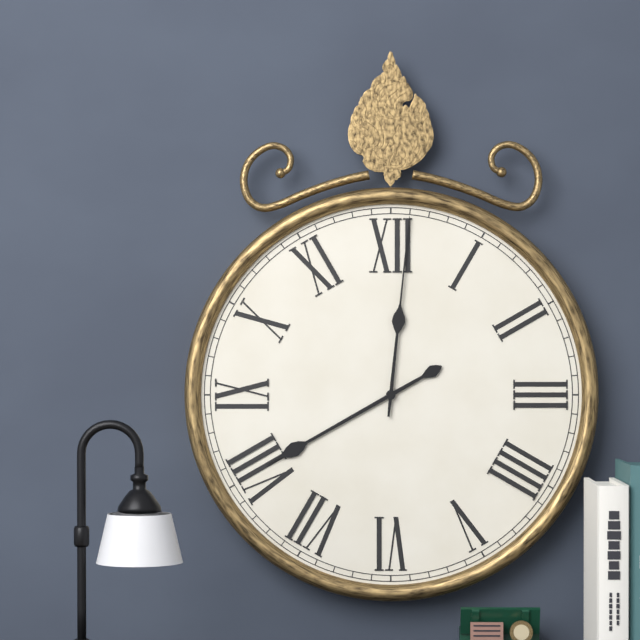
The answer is 8:01
